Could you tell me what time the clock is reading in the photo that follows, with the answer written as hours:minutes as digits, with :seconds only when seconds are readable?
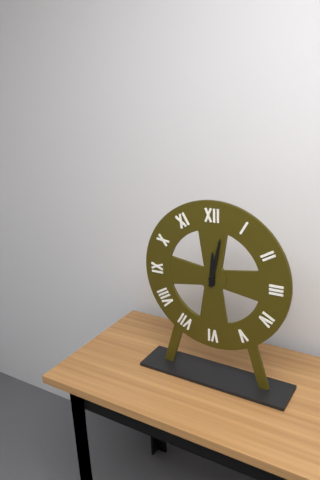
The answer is 12:02
